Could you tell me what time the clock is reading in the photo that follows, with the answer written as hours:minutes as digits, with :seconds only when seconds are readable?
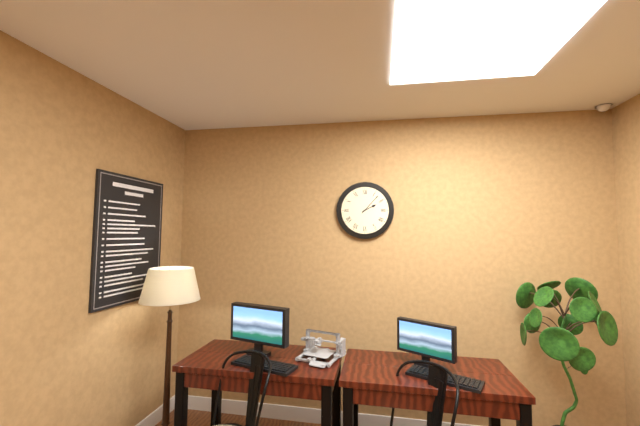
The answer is 2:07
